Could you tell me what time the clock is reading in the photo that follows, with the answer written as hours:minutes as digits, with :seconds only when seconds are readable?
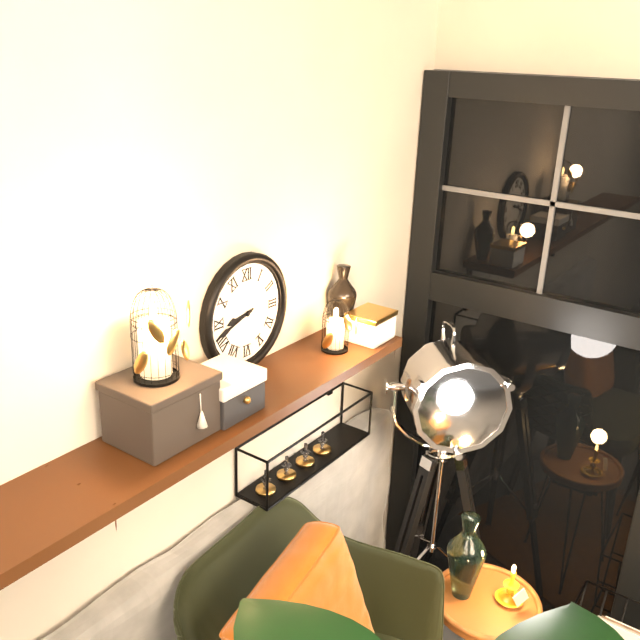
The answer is 8:42
